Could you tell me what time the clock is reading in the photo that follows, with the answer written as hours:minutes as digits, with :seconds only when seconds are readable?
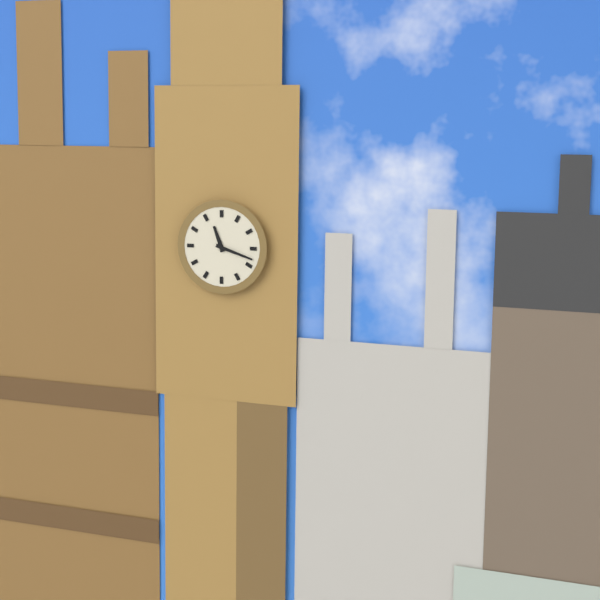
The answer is 11:18
